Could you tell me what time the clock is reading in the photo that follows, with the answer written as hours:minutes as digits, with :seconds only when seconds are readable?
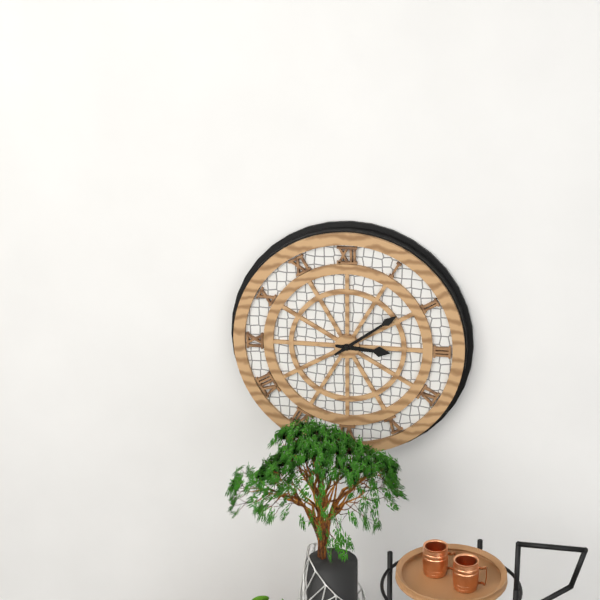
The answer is 3:09
